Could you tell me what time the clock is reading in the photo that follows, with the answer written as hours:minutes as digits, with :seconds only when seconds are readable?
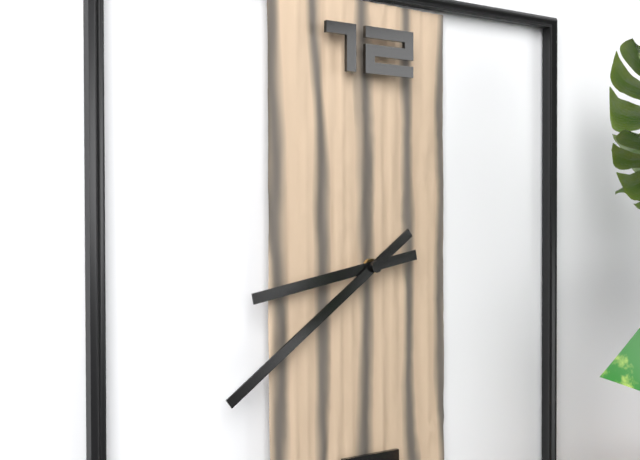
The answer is 8:39
